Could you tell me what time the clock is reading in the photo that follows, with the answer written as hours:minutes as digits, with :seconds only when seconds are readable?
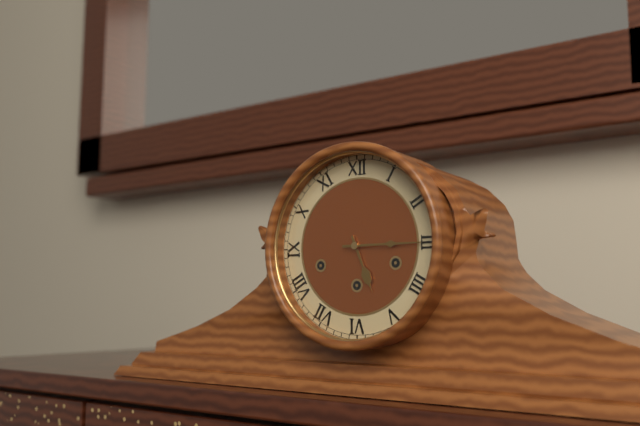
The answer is 5:15
